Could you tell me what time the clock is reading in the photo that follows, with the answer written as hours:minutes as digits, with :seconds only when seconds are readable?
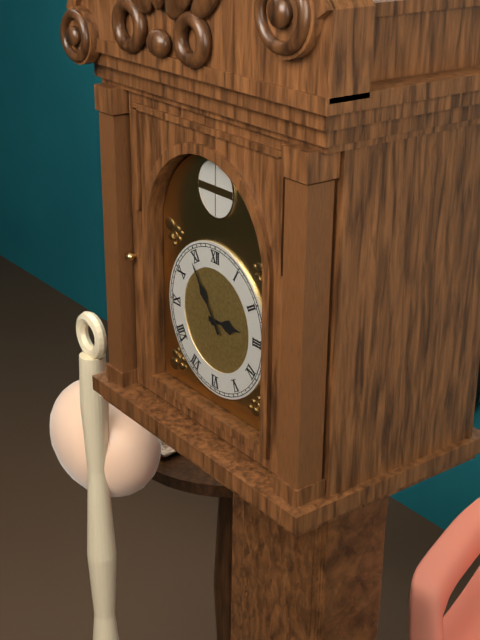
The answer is 2:54
